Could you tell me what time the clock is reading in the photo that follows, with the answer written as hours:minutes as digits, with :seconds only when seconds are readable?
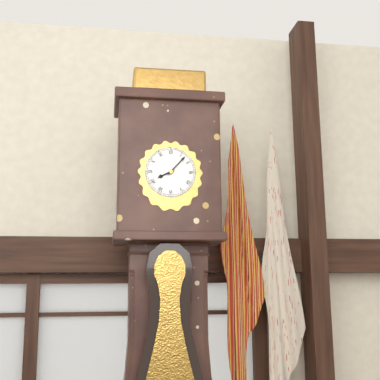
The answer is 8:07
